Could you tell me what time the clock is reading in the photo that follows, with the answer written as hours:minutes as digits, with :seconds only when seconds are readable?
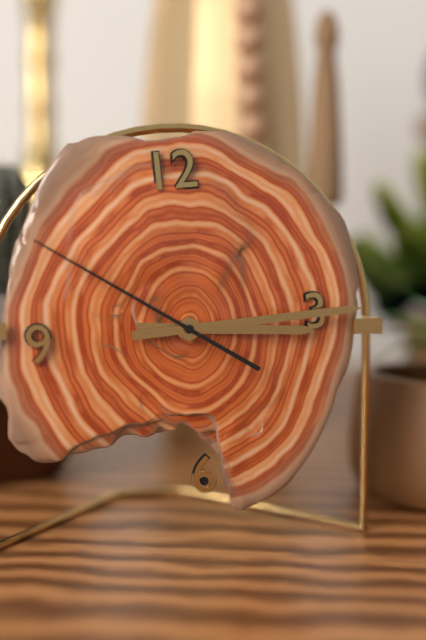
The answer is 3:15:51
